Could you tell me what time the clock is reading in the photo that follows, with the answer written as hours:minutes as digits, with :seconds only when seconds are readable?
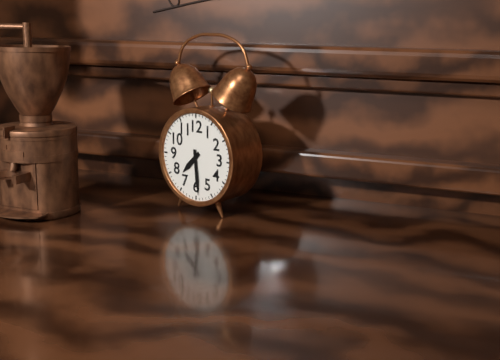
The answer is 7:29
